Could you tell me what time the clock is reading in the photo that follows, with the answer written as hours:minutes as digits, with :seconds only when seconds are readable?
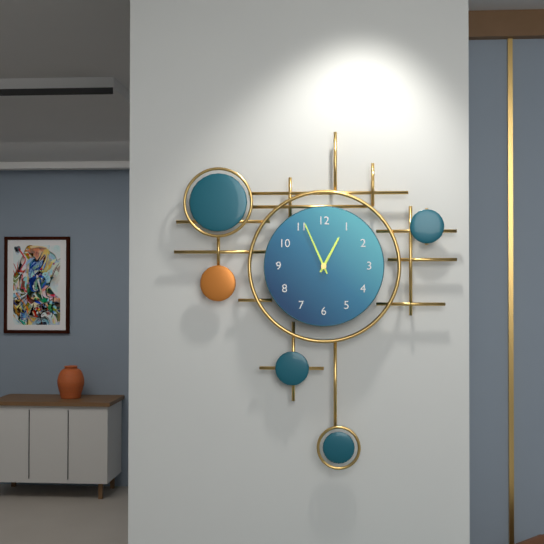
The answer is 12:56
